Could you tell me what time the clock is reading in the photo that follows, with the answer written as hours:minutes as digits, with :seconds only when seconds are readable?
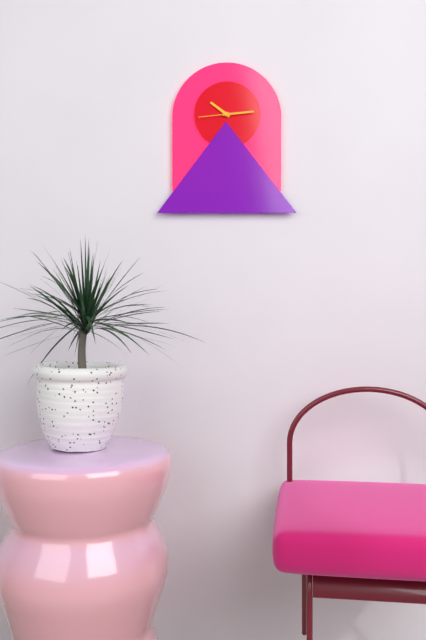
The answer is 10:14
